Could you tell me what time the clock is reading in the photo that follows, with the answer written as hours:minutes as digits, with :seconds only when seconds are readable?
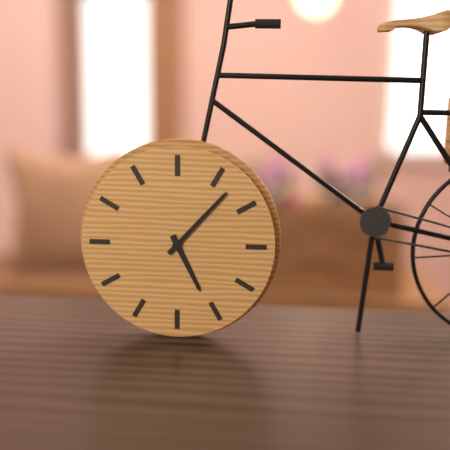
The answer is 5:07
